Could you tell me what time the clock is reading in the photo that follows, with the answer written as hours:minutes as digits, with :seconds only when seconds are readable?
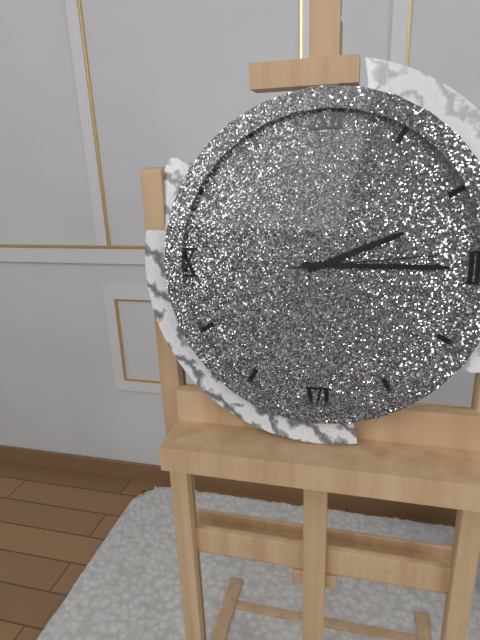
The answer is 2:15:14
